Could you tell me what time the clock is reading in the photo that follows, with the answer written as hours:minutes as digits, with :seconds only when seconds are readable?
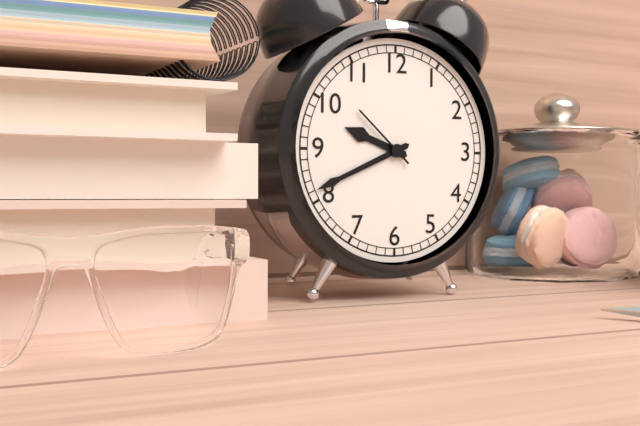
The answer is 9:41:52
